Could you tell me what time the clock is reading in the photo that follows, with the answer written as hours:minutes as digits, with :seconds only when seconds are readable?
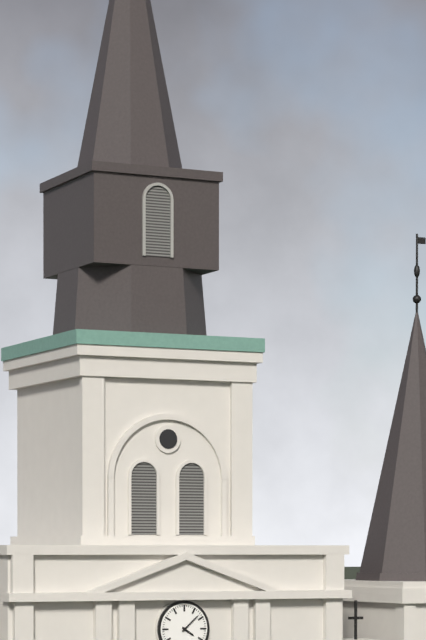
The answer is 4:08
